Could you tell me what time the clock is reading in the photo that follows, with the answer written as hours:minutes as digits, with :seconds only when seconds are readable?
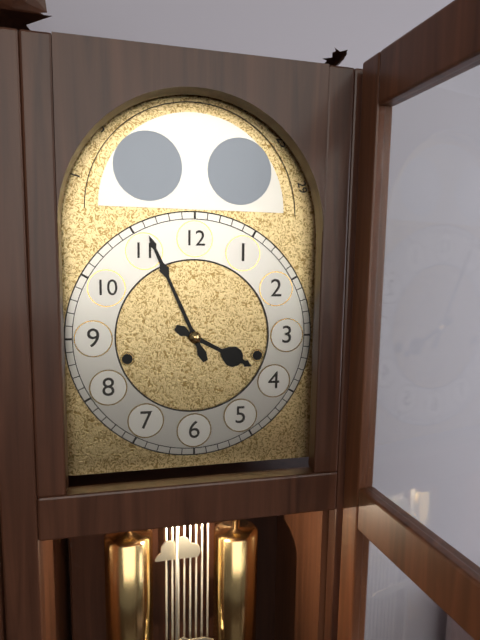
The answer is 3:56
